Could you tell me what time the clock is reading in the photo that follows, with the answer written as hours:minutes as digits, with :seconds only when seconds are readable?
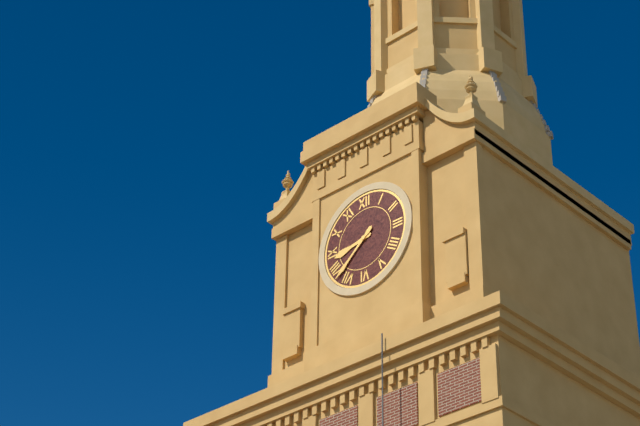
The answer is 8:38
